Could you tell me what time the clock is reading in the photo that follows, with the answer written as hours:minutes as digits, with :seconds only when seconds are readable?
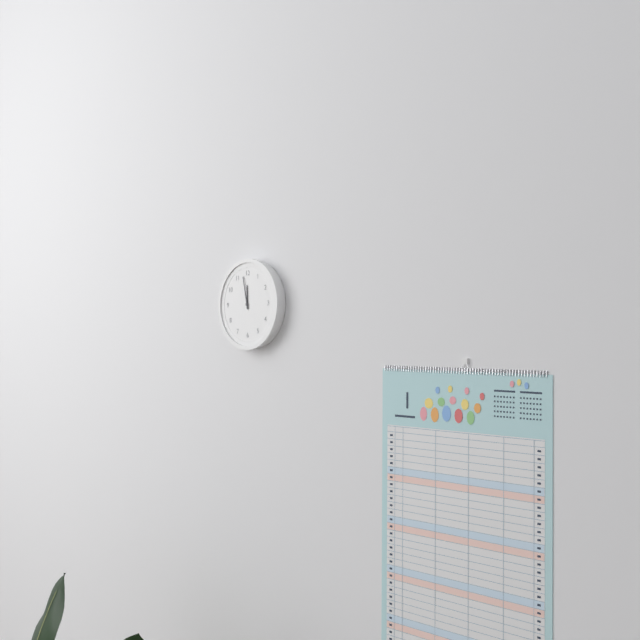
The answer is 11:58
